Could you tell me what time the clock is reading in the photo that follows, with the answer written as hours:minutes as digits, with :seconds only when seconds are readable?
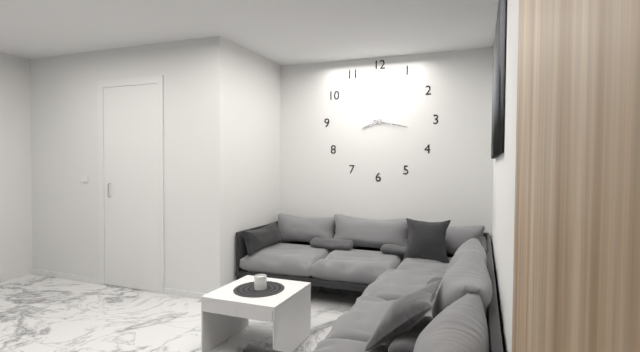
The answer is 8:17
